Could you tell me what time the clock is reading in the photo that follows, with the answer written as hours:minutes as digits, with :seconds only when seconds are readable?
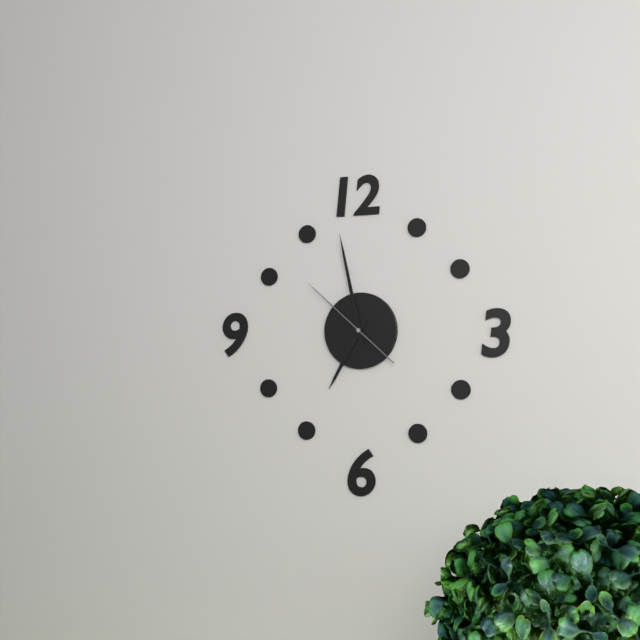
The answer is 6:58:52
